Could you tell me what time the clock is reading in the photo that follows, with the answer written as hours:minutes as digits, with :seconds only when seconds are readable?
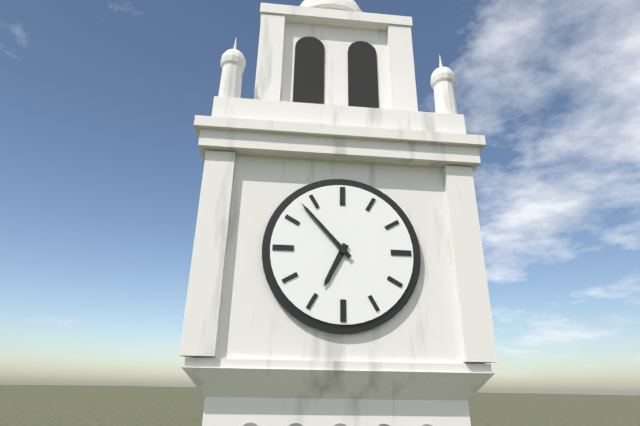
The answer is 6:53
